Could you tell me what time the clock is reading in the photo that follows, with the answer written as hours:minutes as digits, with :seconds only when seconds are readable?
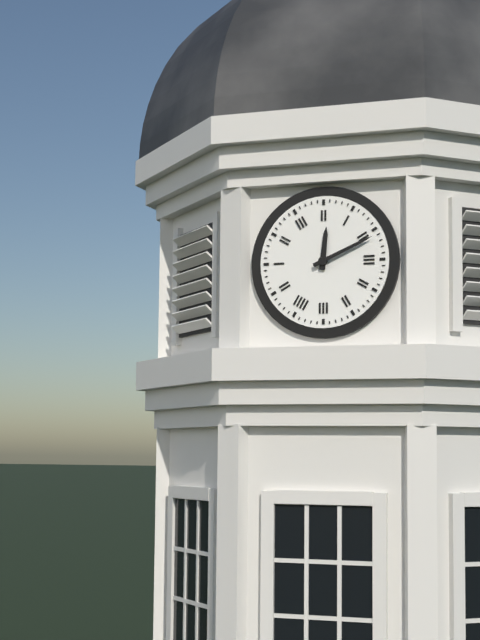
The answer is 12:11
